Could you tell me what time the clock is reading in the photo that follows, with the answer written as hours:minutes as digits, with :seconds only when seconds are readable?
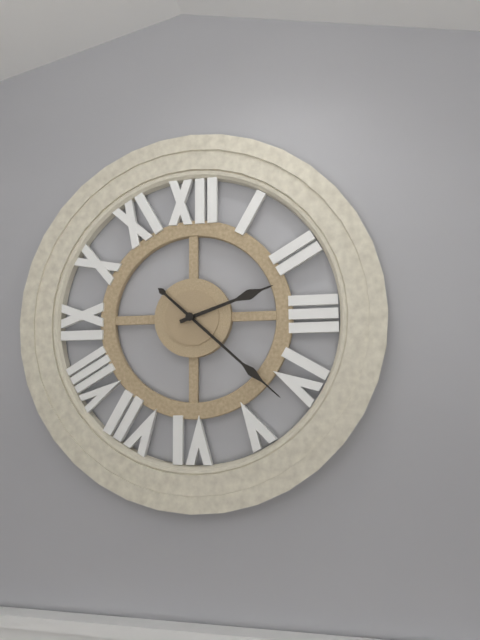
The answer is 2:22
